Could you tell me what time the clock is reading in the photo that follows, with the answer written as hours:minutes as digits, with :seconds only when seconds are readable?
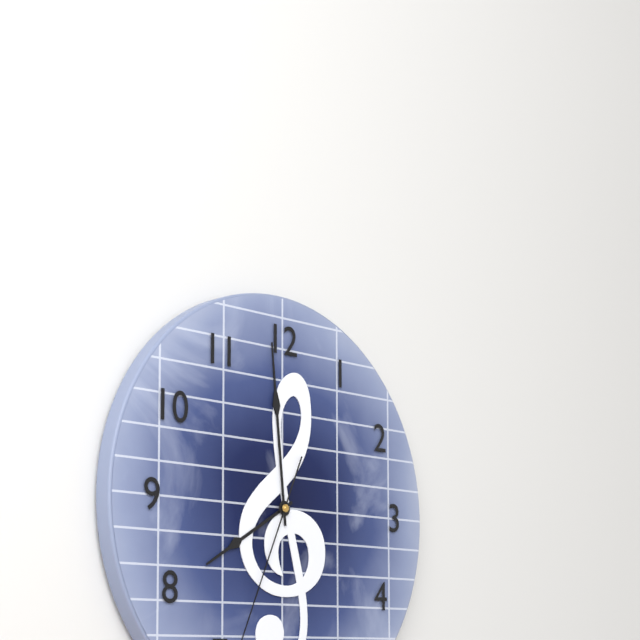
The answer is 7:59
